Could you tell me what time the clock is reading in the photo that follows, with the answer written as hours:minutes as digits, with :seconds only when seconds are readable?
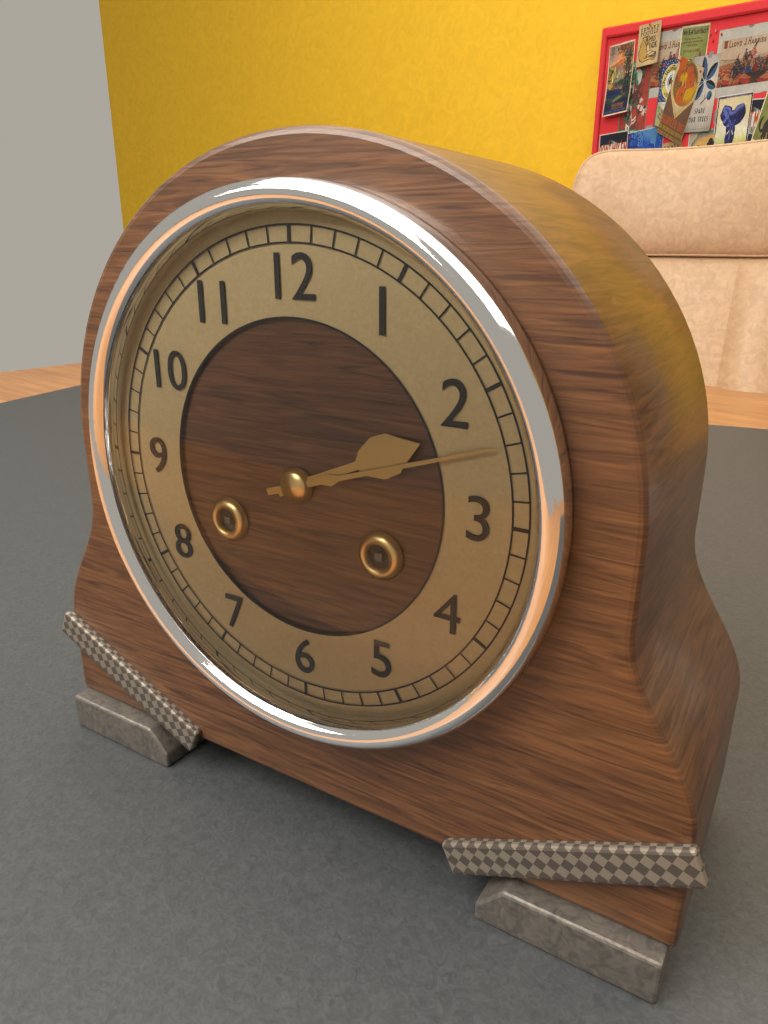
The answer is 2:12
